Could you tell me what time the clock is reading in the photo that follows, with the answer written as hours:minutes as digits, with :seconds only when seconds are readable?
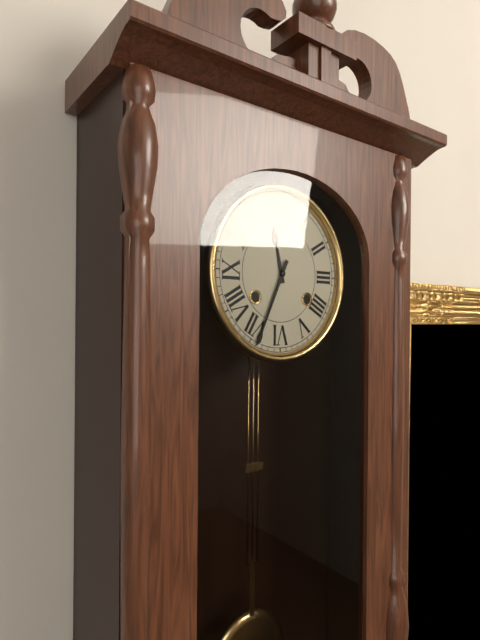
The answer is 11:34
